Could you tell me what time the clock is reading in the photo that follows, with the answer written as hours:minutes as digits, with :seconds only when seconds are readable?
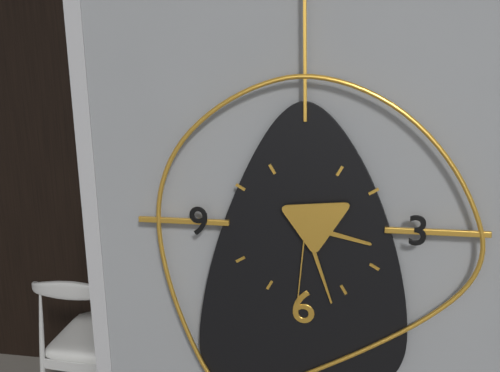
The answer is 3:27:31
